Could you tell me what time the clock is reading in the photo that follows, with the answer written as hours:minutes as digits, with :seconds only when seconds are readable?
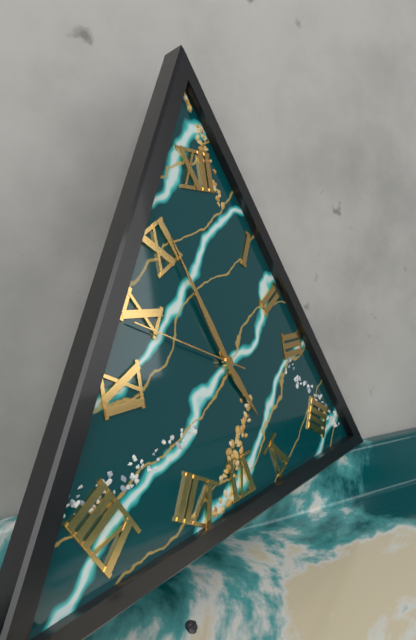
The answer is 4:56:49
